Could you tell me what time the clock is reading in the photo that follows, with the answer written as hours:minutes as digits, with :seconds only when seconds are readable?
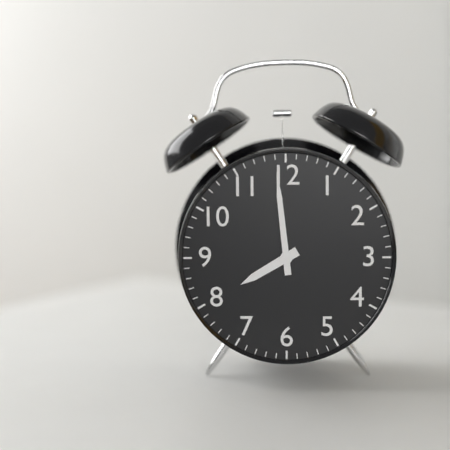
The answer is 7:59
